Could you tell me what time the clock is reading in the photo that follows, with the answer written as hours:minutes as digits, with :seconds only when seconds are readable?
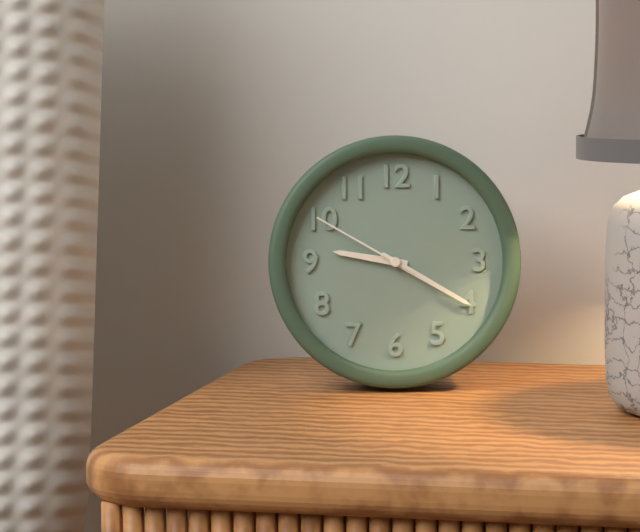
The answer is 9:20:50
